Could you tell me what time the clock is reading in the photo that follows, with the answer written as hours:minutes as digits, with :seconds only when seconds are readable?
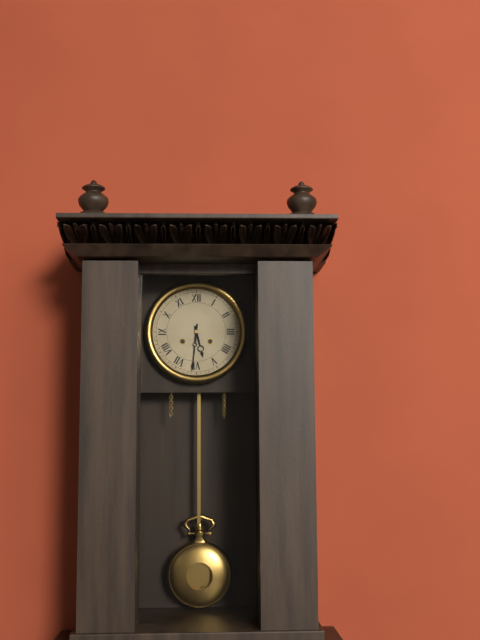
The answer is 5:31
